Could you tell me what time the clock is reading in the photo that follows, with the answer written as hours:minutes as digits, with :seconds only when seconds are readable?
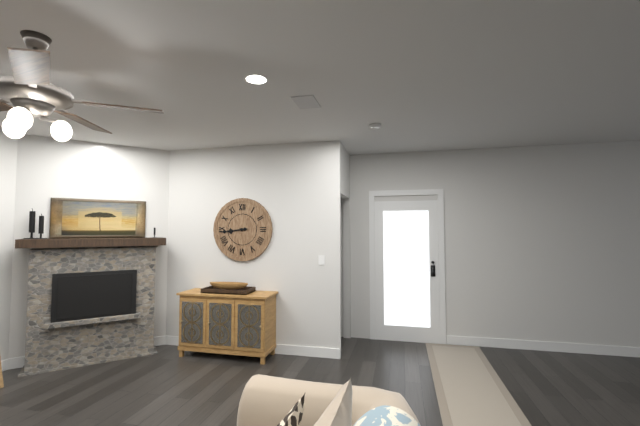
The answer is 8:44
